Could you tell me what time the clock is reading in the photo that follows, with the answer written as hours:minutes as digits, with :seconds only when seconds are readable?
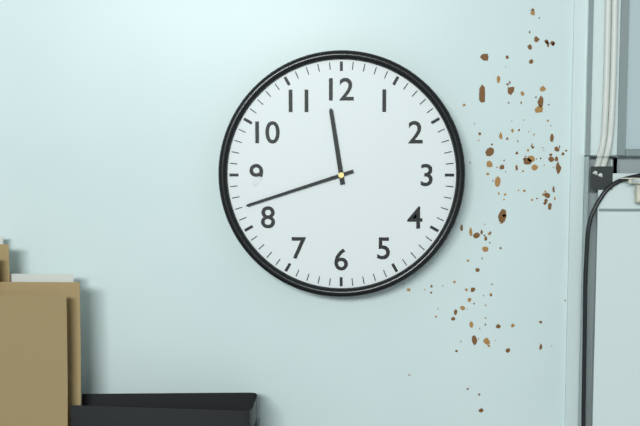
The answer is 11:42
